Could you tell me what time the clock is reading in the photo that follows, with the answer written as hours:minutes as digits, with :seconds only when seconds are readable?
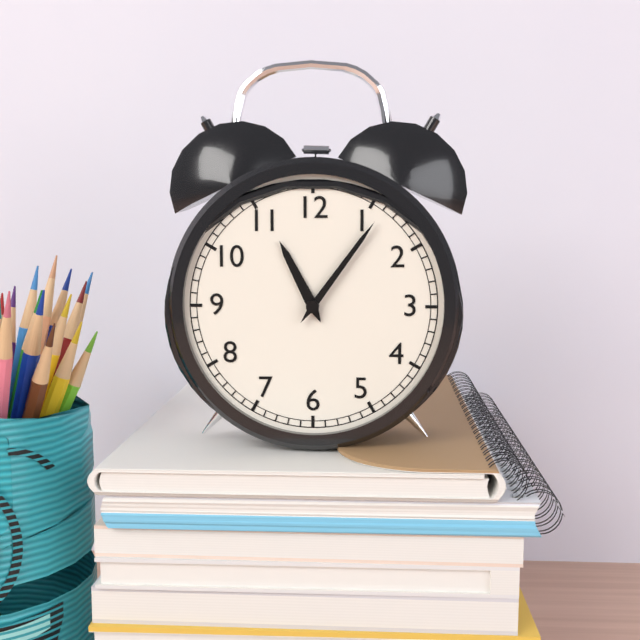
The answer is 11:06
